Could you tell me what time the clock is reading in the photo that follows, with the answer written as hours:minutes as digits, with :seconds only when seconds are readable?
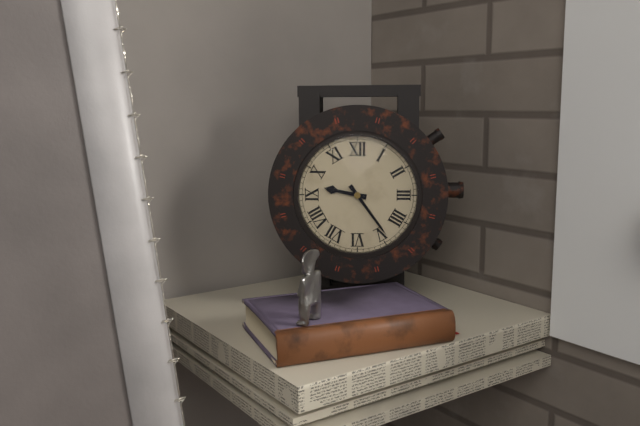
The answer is 9:24
